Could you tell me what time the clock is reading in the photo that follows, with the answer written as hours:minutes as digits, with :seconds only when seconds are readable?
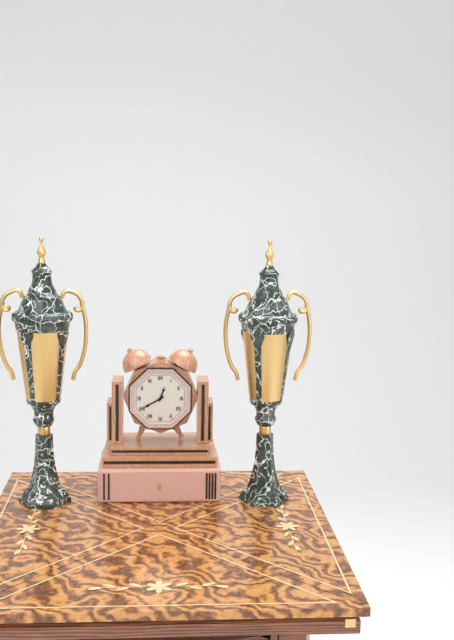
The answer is 12:40
